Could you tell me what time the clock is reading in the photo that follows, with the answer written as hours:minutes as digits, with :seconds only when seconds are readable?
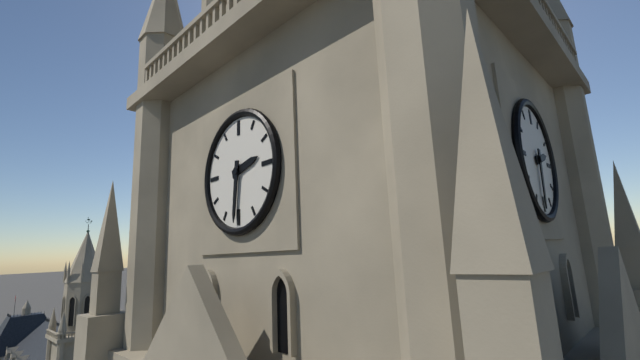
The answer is 2:31
